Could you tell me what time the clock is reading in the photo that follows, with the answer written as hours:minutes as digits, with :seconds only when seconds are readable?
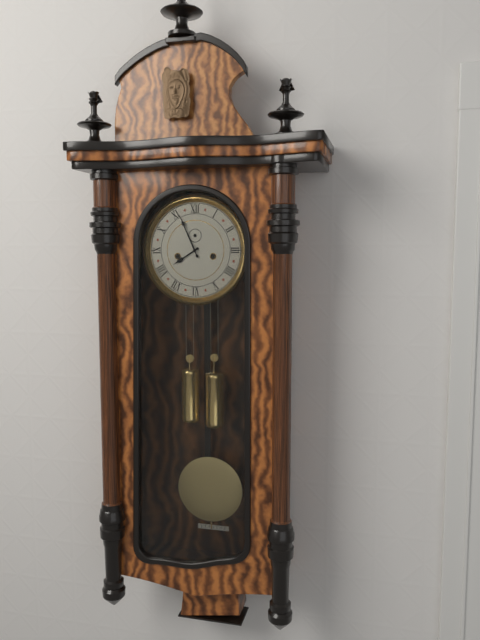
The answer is 7:56
